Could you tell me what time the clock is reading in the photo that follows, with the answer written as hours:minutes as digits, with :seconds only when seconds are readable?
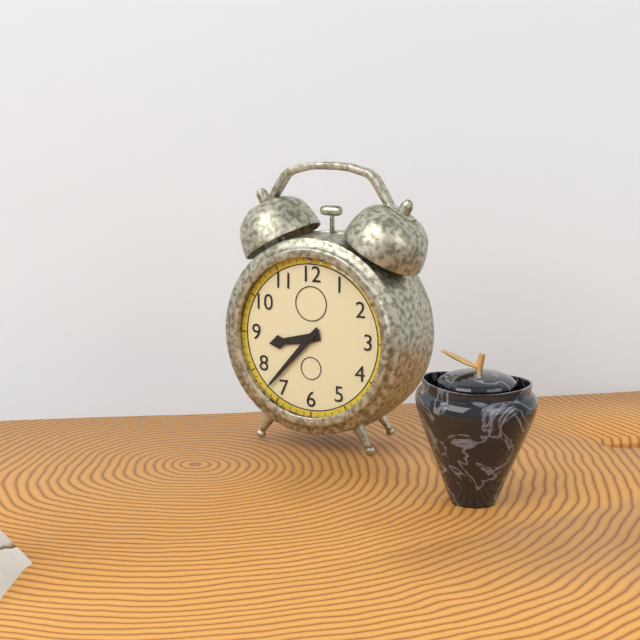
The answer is 8:37
